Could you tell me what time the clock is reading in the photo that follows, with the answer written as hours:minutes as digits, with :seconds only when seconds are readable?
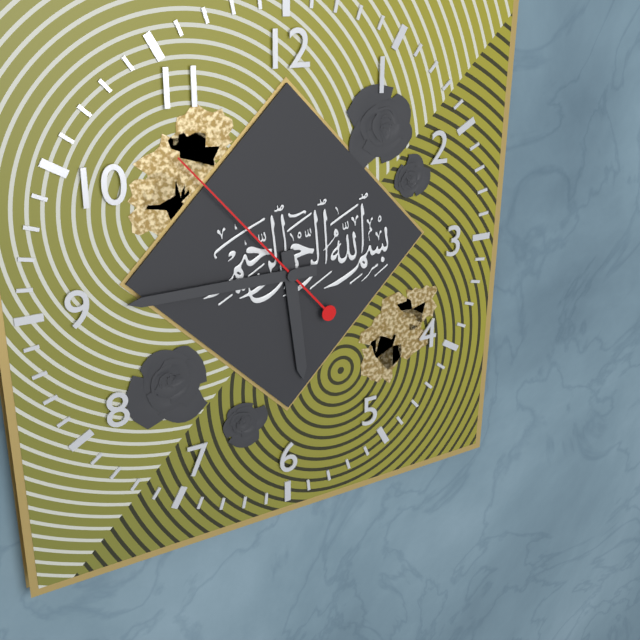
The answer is 5:45:53
